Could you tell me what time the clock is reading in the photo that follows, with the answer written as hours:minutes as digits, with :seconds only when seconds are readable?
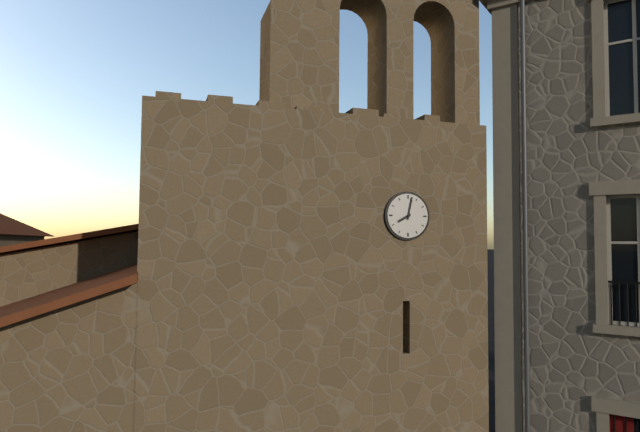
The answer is 8:02
